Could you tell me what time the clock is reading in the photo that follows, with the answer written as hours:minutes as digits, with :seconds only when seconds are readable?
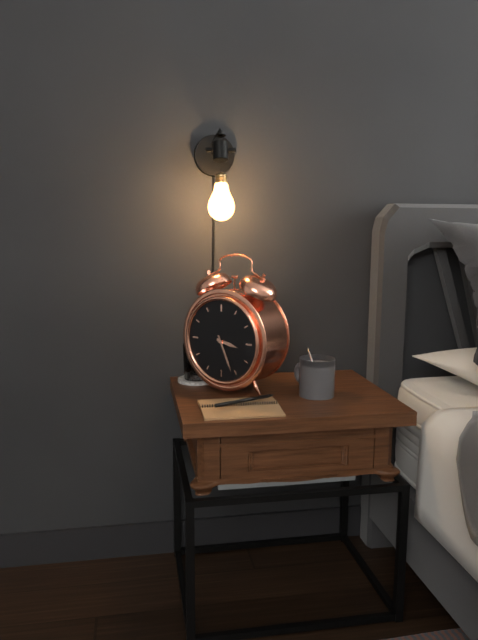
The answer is 3:26
